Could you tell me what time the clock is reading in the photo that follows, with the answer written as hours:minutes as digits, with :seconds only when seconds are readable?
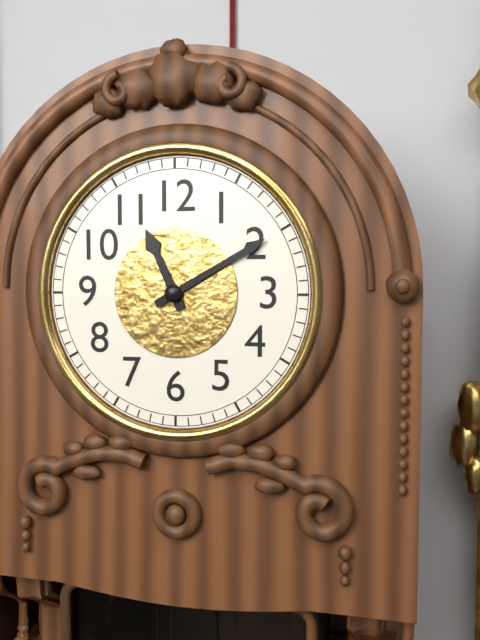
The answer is 11:10
